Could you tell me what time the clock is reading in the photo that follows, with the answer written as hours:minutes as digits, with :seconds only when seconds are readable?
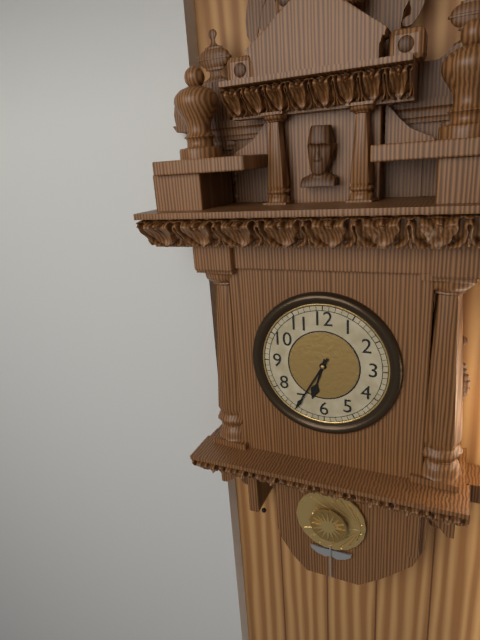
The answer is 6:35
